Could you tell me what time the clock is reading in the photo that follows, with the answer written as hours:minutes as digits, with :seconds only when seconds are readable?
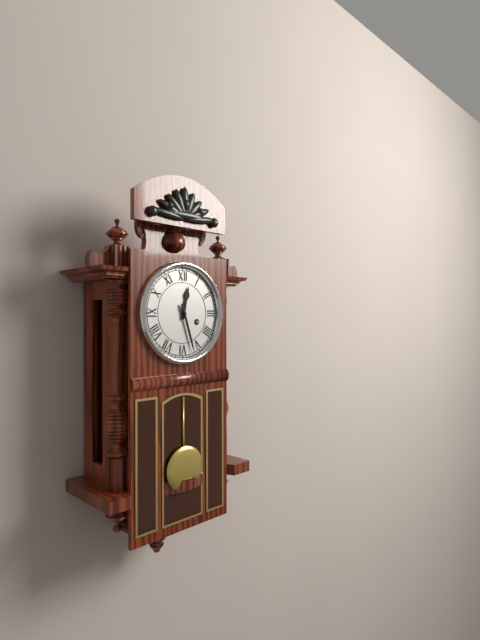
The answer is 12:27
